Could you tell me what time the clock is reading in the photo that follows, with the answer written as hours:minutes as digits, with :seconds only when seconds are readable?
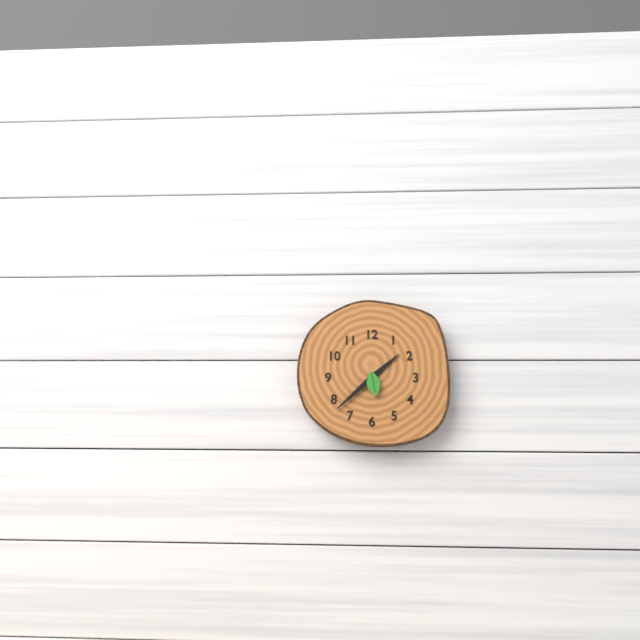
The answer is 1:38
